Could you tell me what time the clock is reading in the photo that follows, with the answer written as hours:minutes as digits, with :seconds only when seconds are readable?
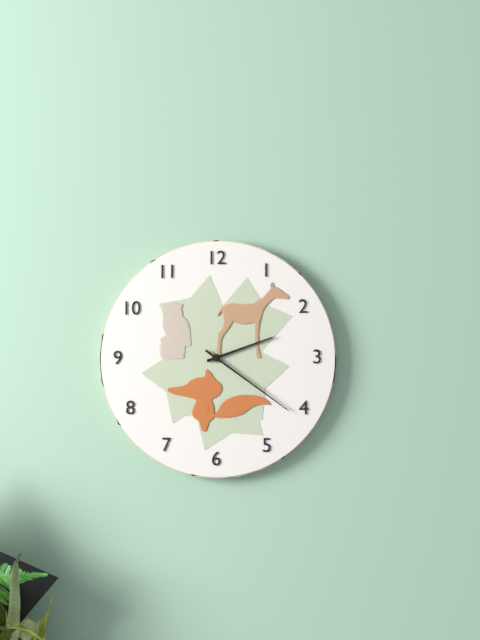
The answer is 2:21
